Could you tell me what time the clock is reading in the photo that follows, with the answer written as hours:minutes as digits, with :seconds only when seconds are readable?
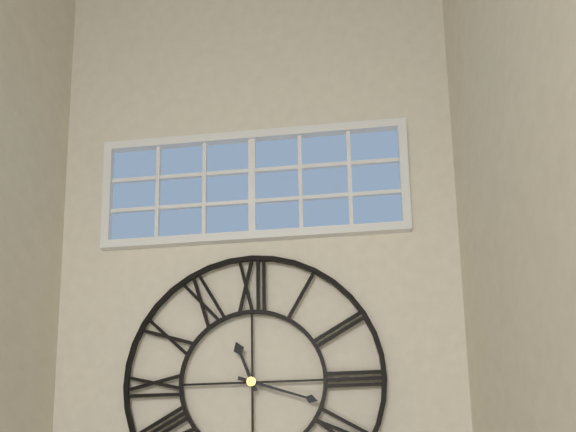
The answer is 11:18
